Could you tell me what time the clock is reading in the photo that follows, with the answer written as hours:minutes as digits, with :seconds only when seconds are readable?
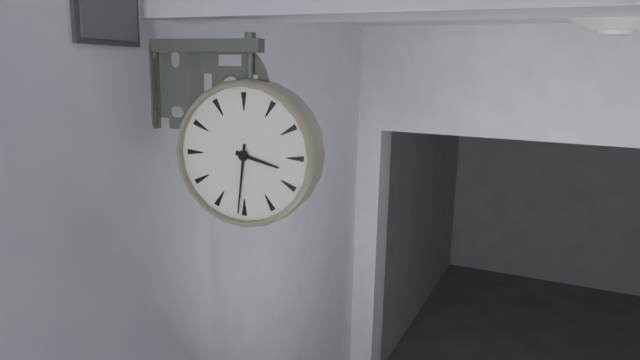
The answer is 3:31
